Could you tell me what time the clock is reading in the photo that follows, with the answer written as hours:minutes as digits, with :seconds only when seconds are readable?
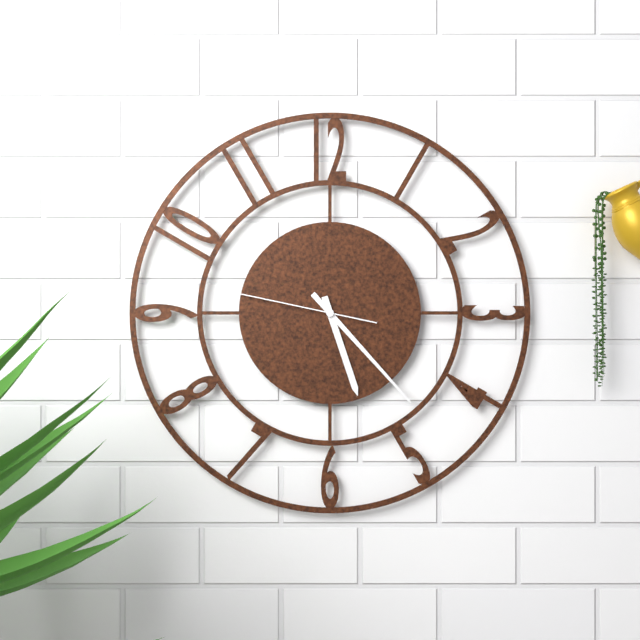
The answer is 5:23:47
